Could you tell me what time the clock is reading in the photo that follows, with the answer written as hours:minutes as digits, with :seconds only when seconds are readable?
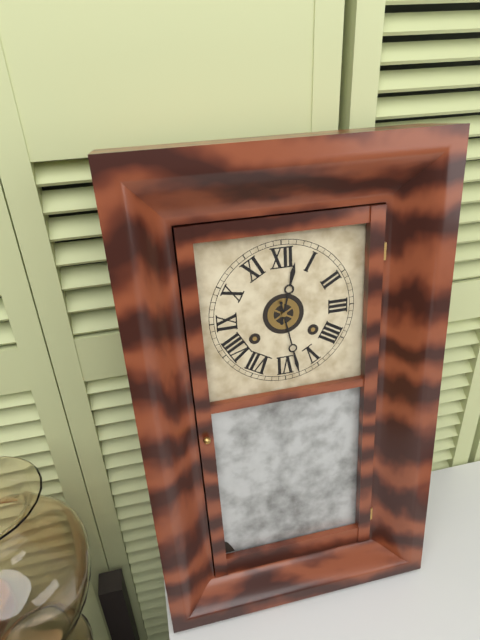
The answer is 12:28
